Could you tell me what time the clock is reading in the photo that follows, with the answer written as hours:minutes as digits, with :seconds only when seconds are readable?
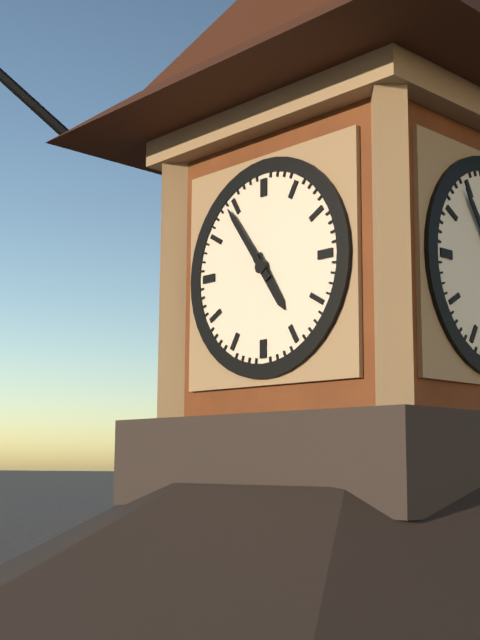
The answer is 4:54
